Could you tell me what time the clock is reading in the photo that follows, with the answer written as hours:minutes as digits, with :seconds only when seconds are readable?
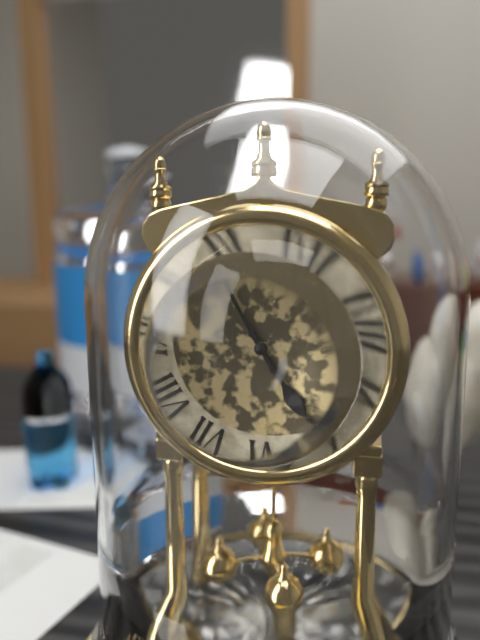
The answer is 4:55
